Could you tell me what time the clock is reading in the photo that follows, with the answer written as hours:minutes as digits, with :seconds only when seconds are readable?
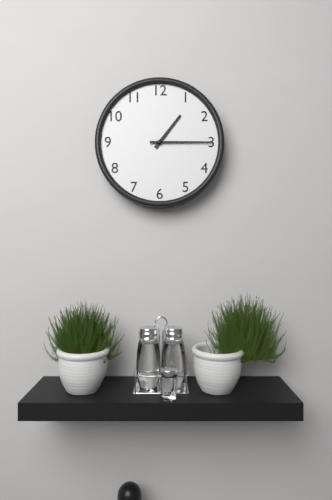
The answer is 1:15
